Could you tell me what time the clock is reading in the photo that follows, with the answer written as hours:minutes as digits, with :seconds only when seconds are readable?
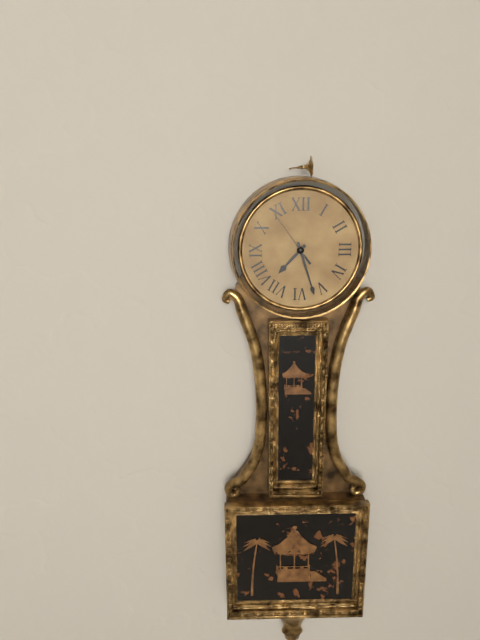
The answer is 7:27:54
